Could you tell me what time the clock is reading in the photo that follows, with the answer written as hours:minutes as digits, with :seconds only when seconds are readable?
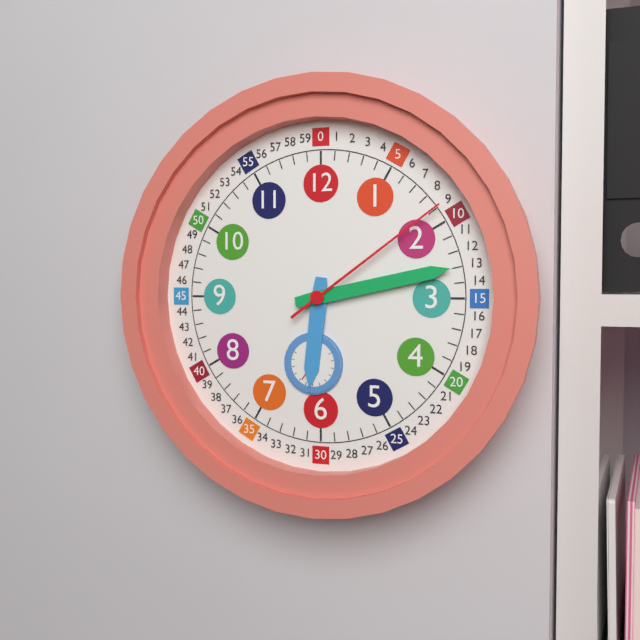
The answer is 6:13:09
